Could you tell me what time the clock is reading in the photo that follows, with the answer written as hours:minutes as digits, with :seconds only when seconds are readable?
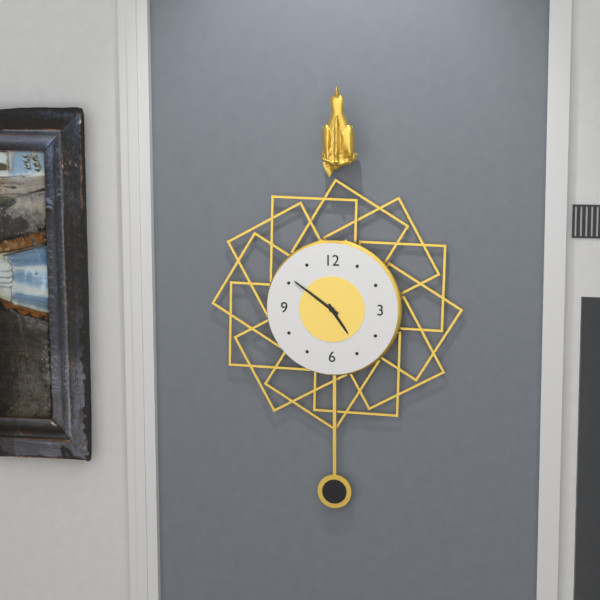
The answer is 4:51
